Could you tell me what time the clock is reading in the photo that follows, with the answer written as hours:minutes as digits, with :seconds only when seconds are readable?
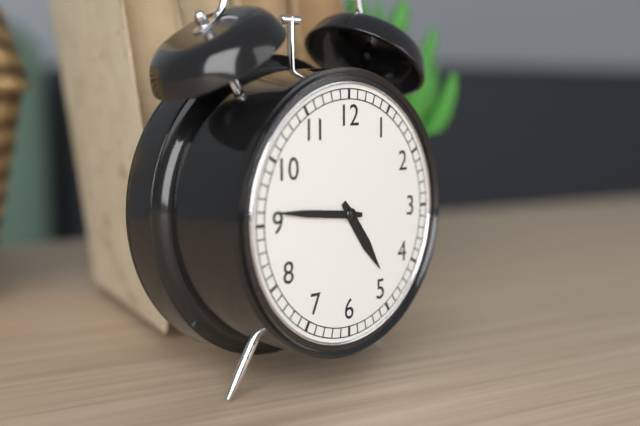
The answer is 4:46
